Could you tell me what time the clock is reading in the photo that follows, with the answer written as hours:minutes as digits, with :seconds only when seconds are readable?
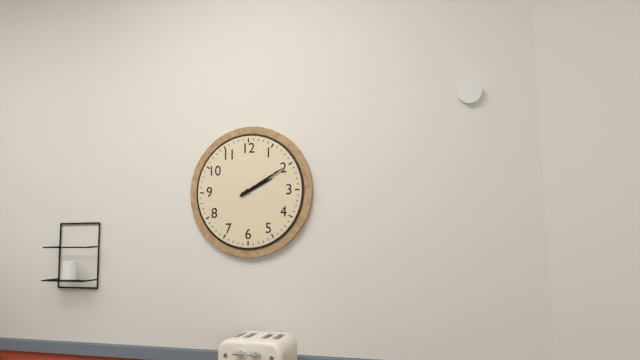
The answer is 2:10
